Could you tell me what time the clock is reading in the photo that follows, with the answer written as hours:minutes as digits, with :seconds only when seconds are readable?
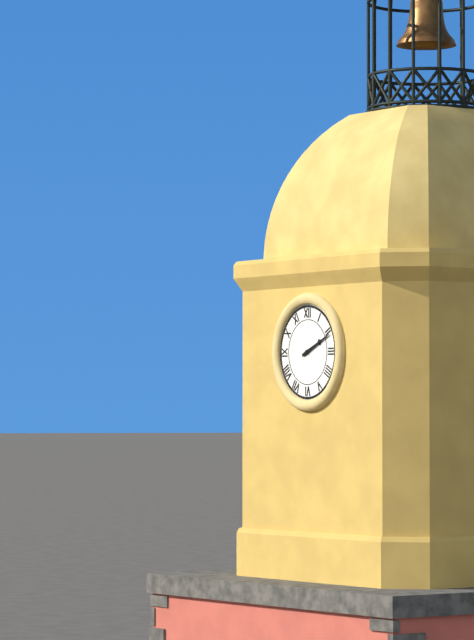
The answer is 2:11
